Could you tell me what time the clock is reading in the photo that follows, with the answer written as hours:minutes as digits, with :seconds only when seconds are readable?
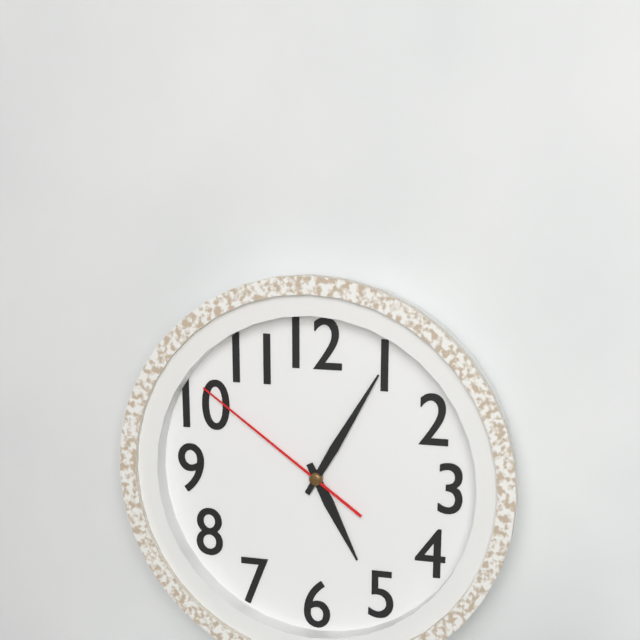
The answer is 5:05:51
